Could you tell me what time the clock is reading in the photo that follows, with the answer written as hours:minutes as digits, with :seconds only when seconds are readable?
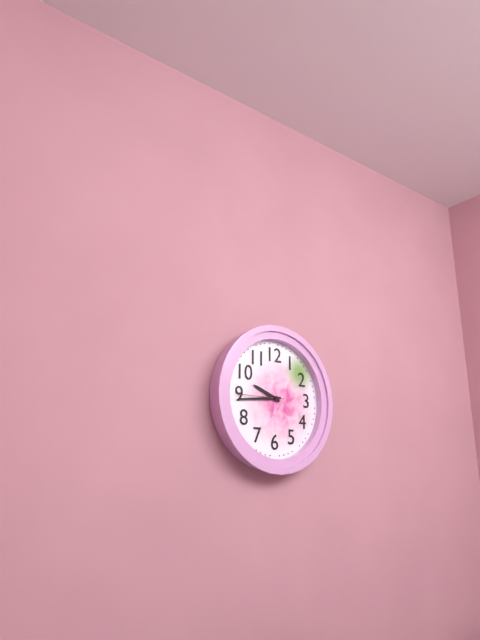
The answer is 9:44:45
